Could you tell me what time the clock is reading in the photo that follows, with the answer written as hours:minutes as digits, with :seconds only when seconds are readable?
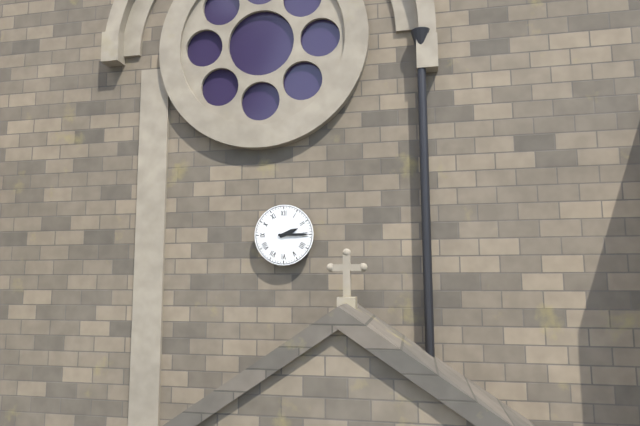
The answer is 2:15
